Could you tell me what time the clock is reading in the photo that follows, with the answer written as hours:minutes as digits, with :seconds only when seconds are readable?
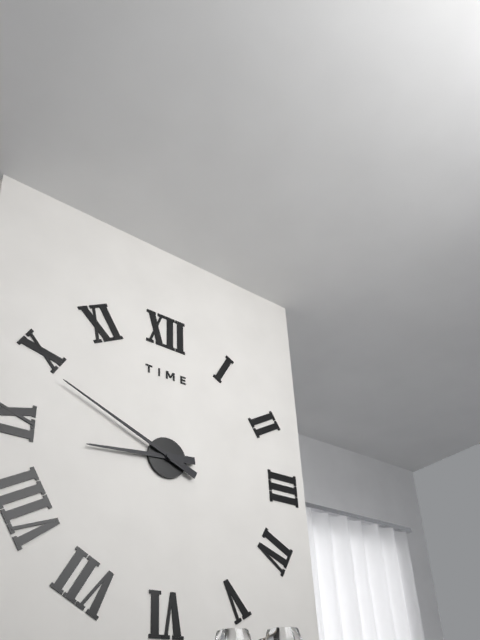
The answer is 8:49
